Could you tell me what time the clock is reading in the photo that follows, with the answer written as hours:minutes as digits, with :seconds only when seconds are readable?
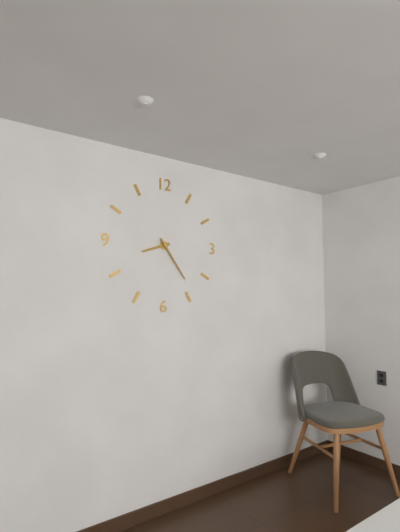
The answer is 8:24
